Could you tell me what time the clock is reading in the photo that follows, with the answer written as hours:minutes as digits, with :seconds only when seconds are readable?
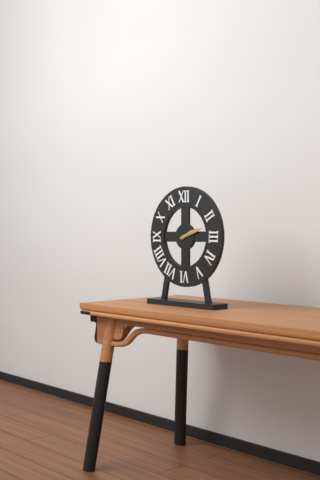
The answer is 2:12
